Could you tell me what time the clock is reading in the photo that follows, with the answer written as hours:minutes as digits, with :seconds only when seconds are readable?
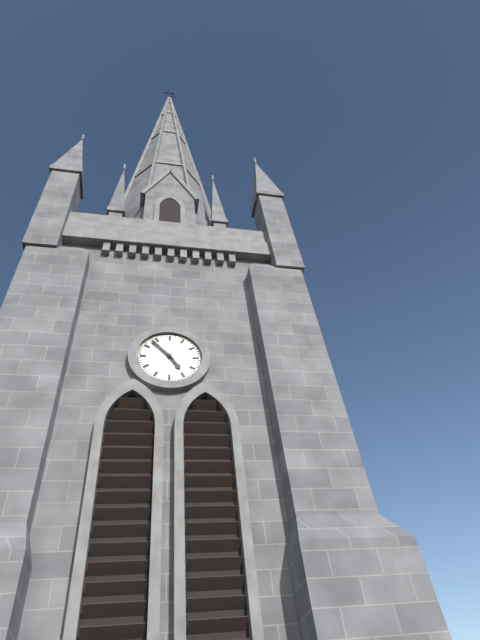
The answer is 4:53
